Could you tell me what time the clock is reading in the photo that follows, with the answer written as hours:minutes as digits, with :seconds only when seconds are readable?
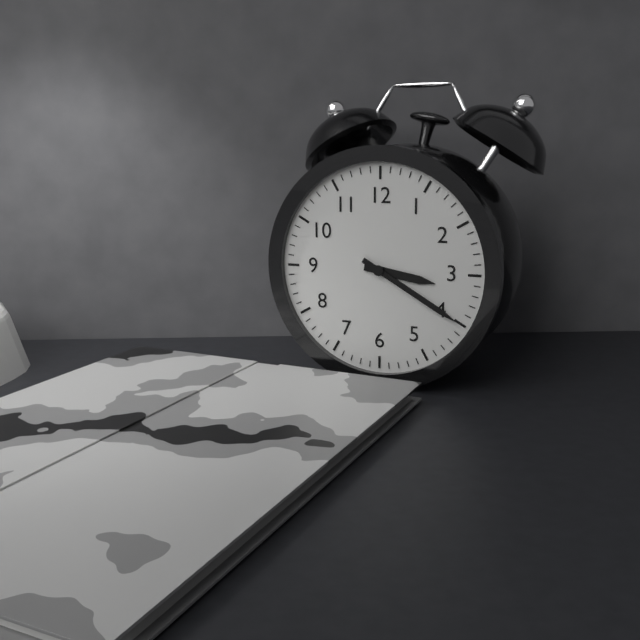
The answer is 3:20
